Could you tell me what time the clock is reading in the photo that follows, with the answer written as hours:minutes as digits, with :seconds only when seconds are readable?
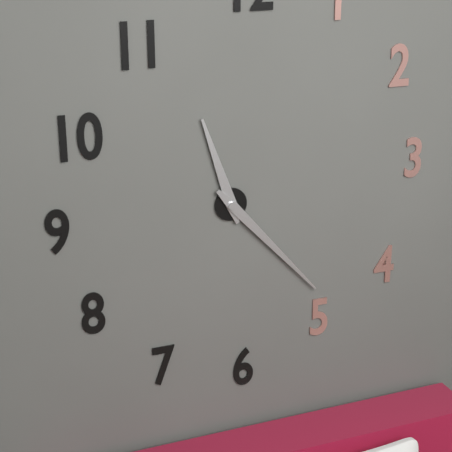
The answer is 11:23
